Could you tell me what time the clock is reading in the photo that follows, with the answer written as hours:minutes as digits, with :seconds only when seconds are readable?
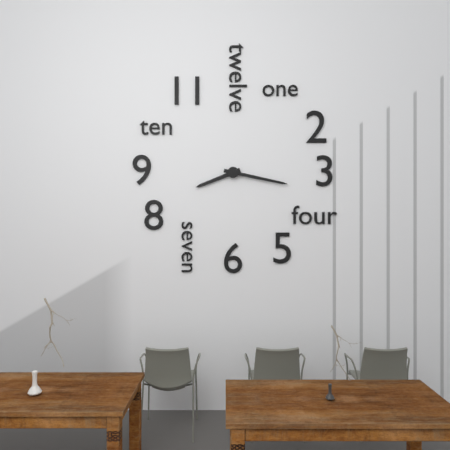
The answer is 8:17
